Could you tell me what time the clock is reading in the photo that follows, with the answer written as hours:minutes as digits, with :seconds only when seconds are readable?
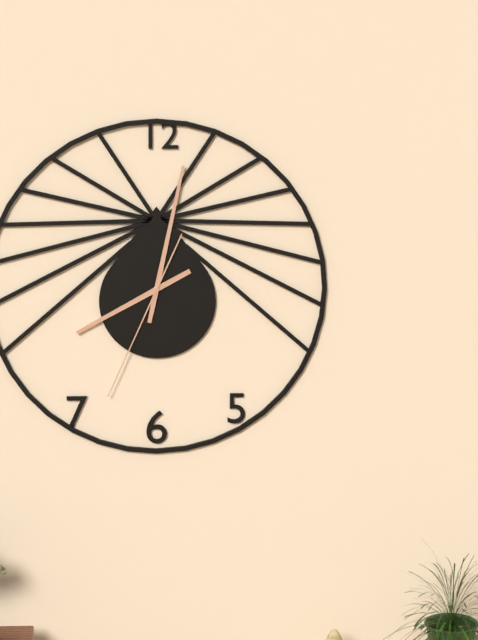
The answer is 8:02:34
